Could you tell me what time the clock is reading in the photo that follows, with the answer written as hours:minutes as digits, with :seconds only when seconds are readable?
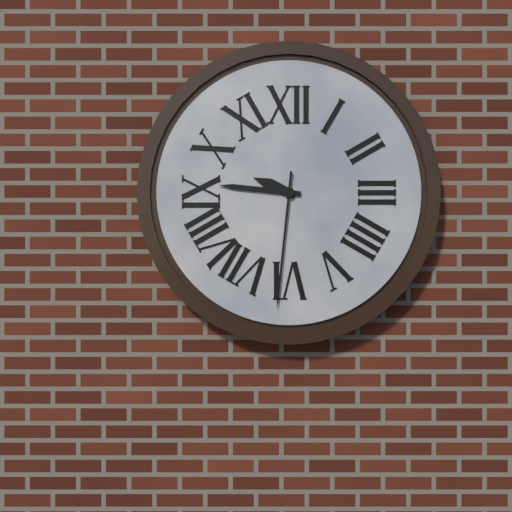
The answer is 9:46:31
